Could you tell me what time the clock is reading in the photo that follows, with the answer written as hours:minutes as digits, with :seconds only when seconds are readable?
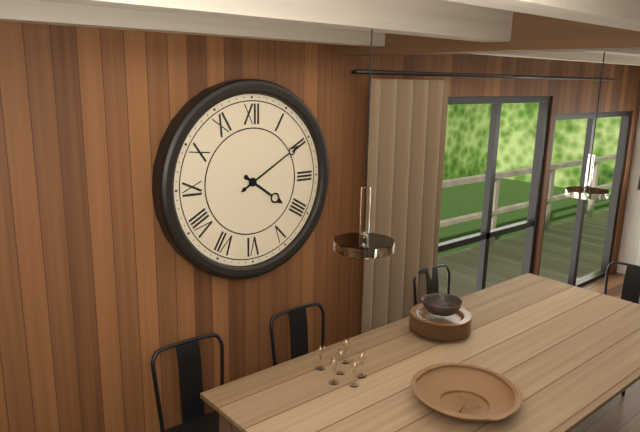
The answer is 4:10
